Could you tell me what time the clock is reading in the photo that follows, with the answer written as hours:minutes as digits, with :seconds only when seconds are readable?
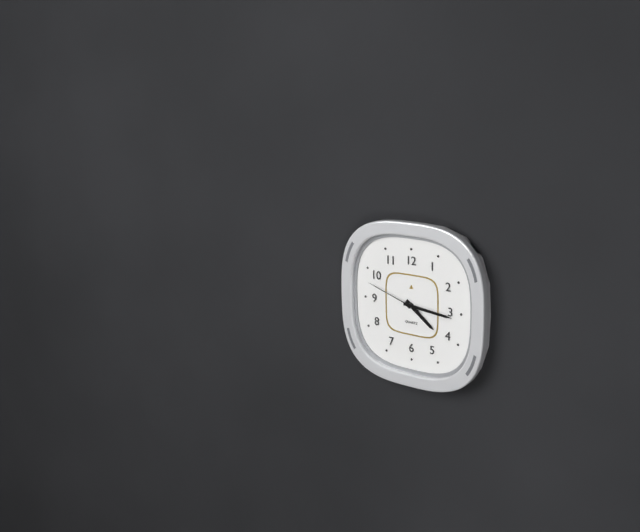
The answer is 4:16:48
